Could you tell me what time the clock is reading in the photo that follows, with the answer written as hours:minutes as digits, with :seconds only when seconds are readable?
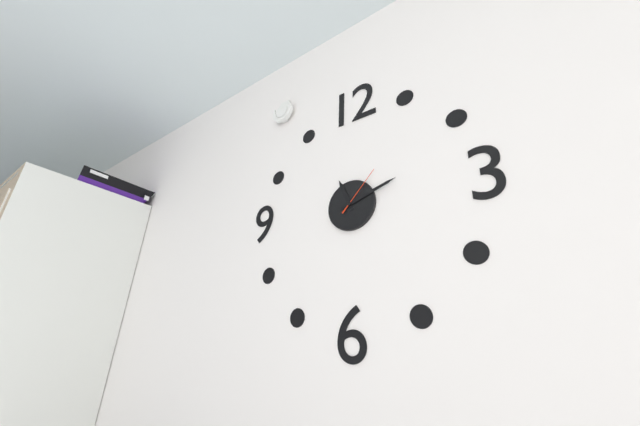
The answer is 11:12:07
